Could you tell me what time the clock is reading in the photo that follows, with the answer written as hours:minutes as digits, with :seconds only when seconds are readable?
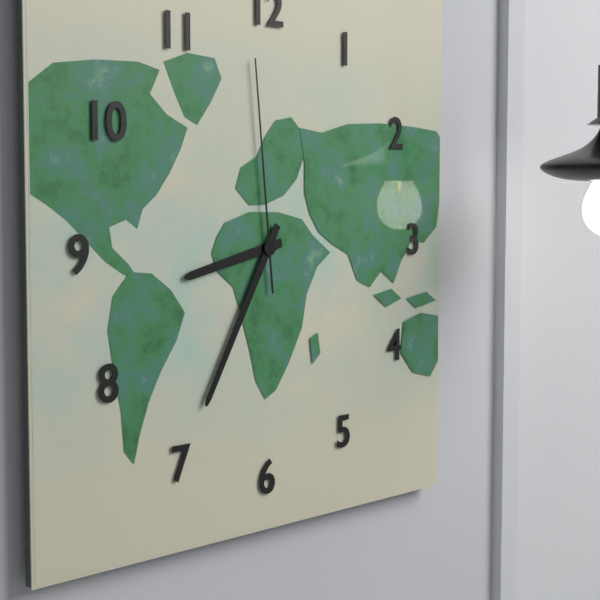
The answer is 8:35:59
